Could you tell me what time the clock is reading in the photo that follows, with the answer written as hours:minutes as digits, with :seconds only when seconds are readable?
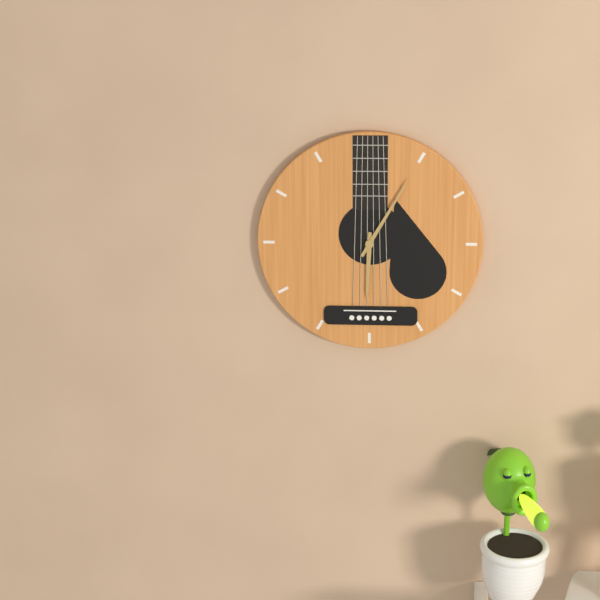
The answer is 6:05
